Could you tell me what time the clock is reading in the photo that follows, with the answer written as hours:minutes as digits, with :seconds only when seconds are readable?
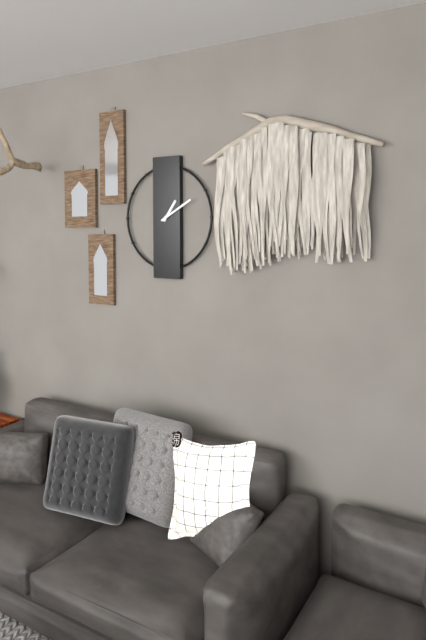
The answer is 1:10
